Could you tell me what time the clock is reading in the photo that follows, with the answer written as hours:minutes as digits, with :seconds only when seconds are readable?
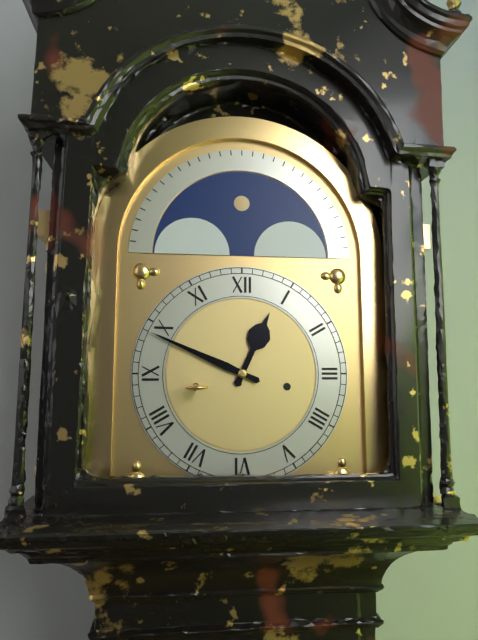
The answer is 12:49
